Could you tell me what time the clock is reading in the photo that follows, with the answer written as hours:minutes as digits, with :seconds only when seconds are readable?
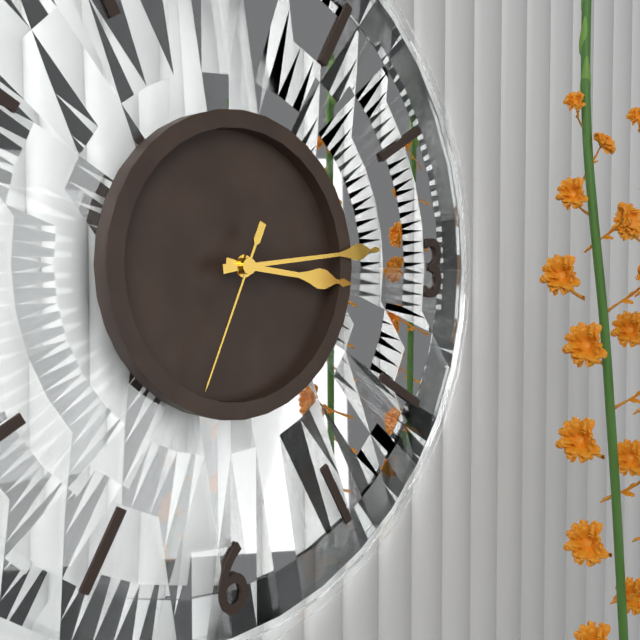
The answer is 3:14:34
